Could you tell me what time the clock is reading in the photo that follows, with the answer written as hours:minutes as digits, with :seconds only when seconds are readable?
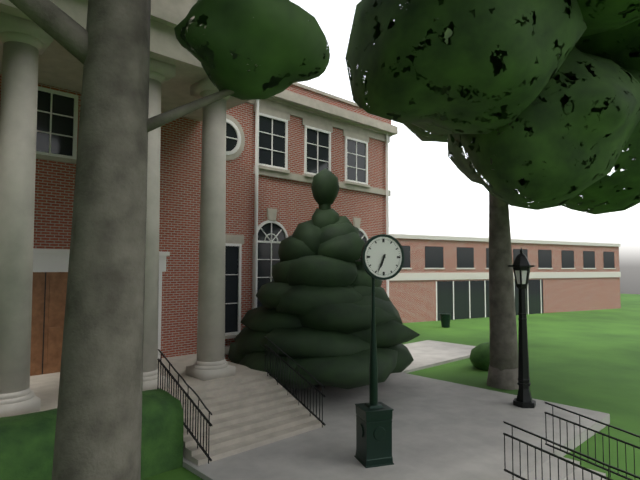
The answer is 6:34
